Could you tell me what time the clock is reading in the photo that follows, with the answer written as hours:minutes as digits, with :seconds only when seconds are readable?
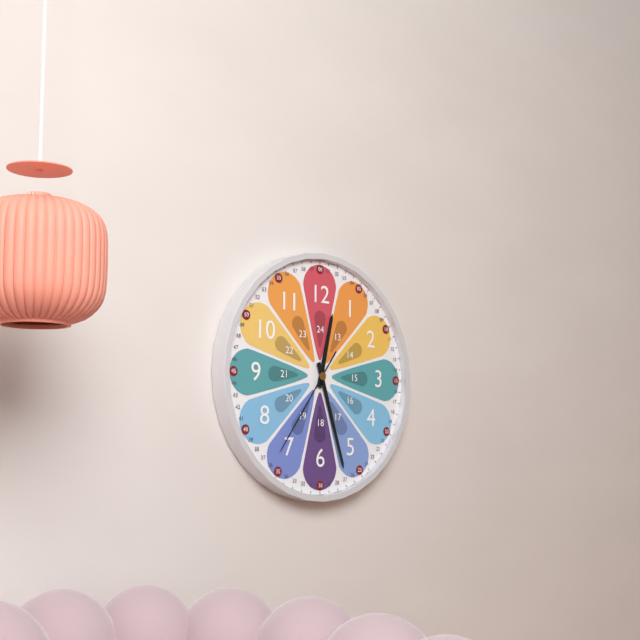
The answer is 12:27:36
